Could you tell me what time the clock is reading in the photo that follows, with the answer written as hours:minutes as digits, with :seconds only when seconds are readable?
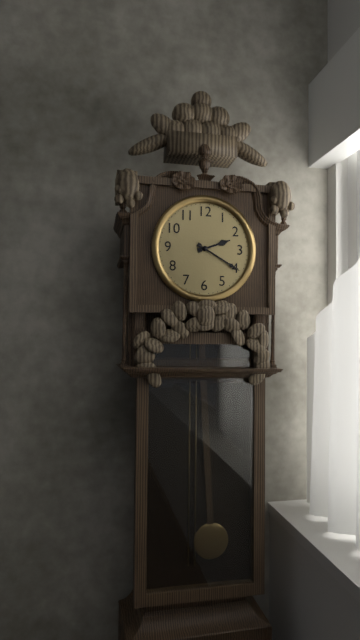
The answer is 2:20
